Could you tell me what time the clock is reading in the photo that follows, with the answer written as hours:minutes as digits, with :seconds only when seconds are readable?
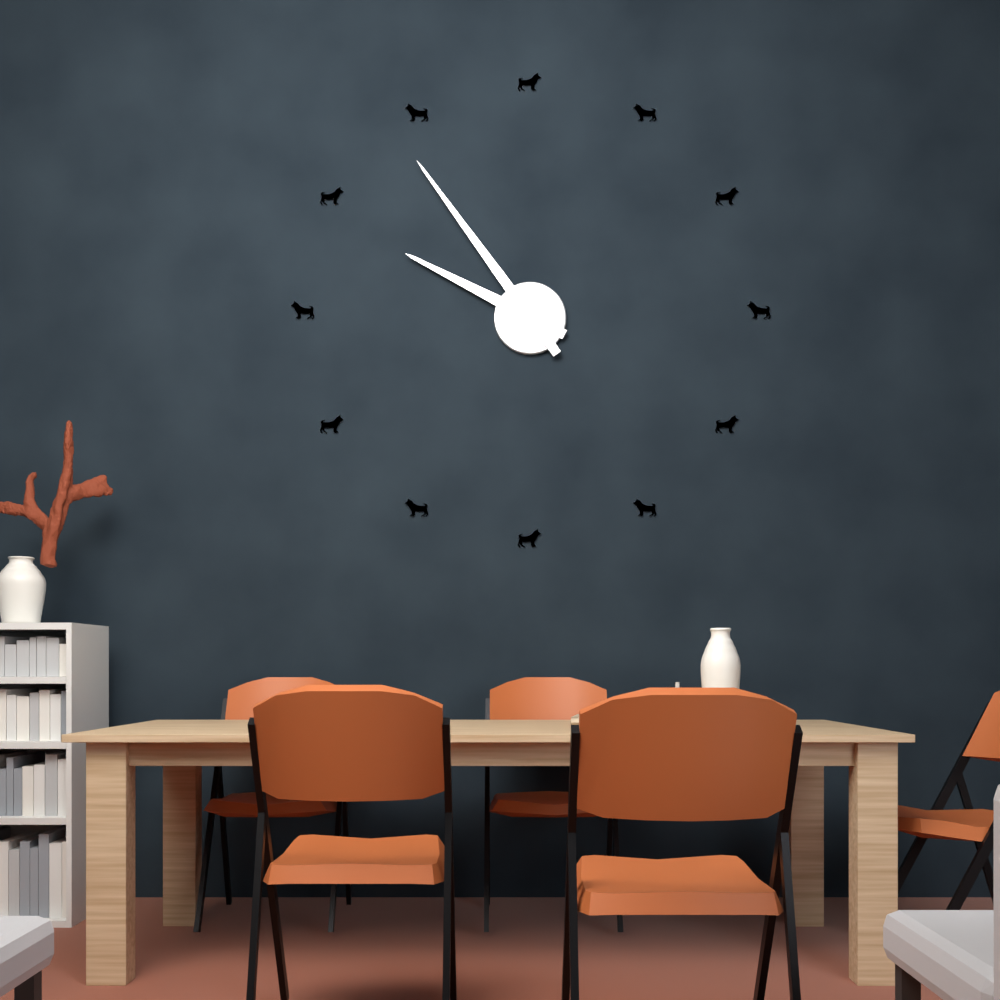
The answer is 9:54
